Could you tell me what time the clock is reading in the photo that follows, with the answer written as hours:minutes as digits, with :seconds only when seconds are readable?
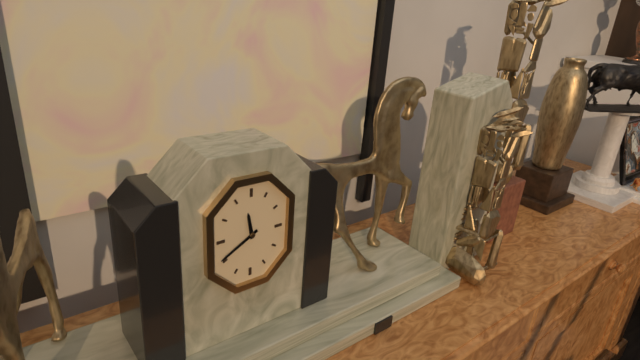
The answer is 11:40
